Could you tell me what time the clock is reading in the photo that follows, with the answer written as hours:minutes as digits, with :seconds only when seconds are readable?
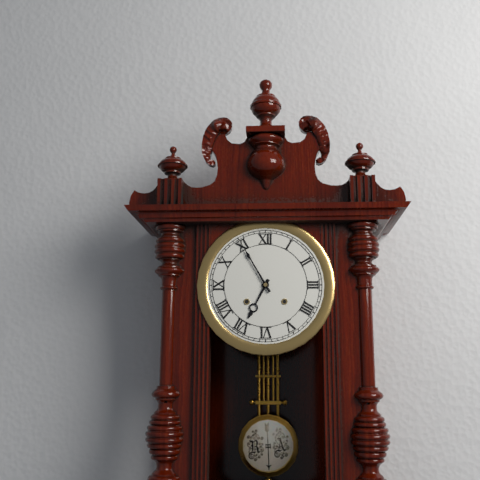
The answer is 6:55
